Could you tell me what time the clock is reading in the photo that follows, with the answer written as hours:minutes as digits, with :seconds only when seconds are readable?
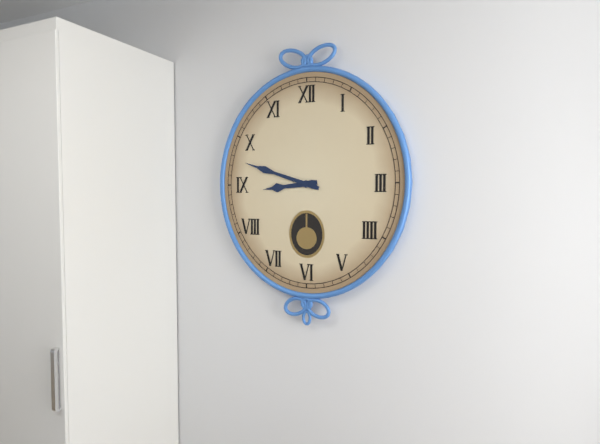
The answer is 8:48
